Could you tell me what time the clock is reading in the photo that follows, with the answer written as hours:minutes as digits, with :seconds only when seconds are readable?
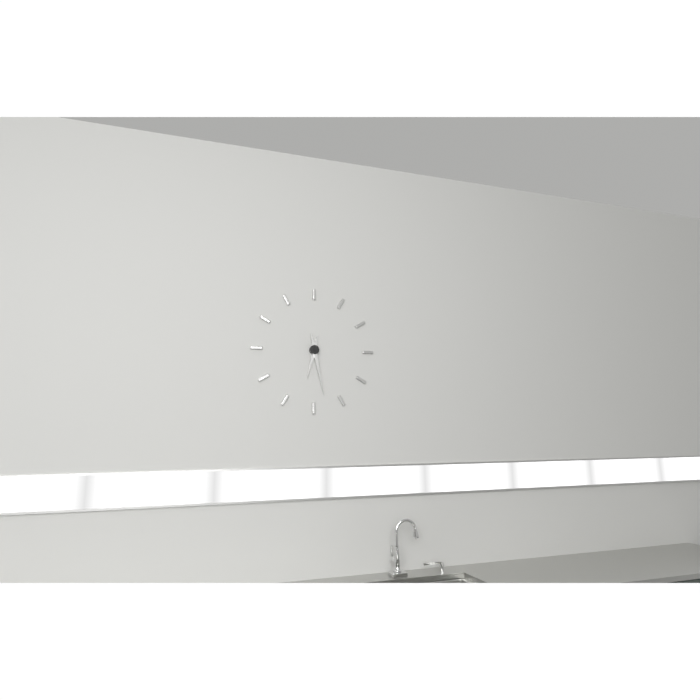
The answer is 6:28
